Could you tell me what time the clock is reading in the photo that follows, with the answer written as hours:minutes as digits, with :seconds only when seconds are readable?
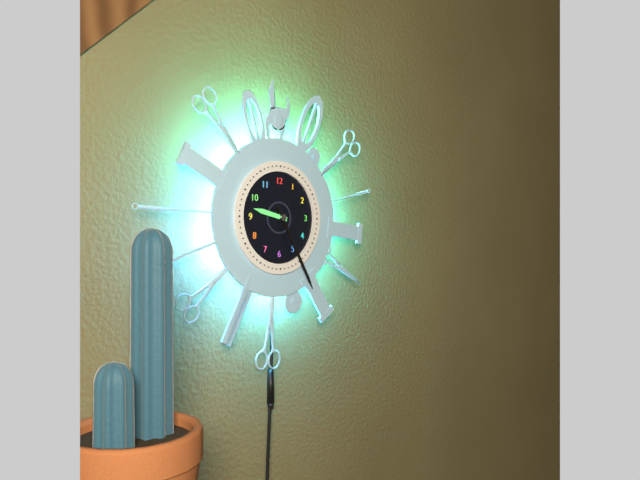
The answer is 9:25
